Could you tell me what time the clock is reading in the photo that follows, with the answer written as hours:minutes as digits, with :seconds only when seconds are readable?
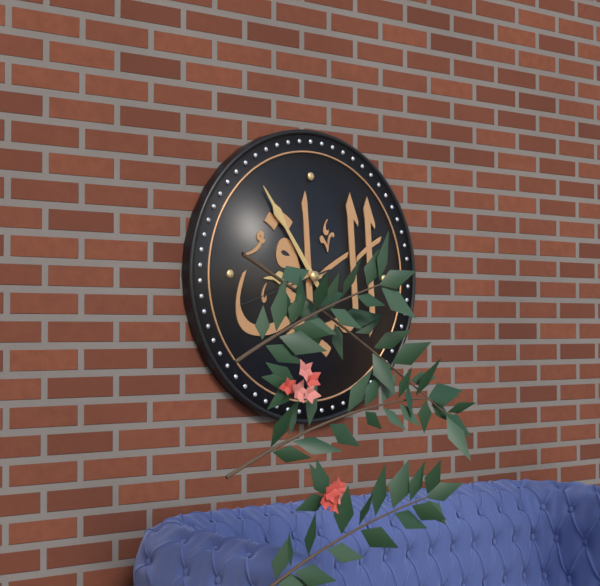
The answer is 8:54:42
